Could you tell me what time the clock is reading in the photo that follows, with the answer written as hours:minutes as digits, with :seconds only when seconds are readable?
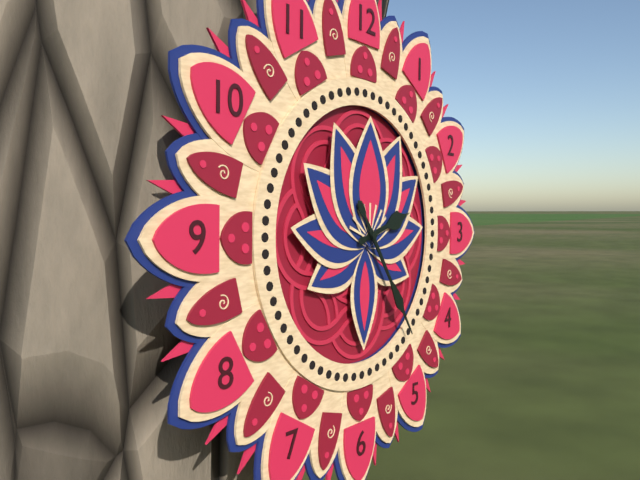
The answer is 2:24
